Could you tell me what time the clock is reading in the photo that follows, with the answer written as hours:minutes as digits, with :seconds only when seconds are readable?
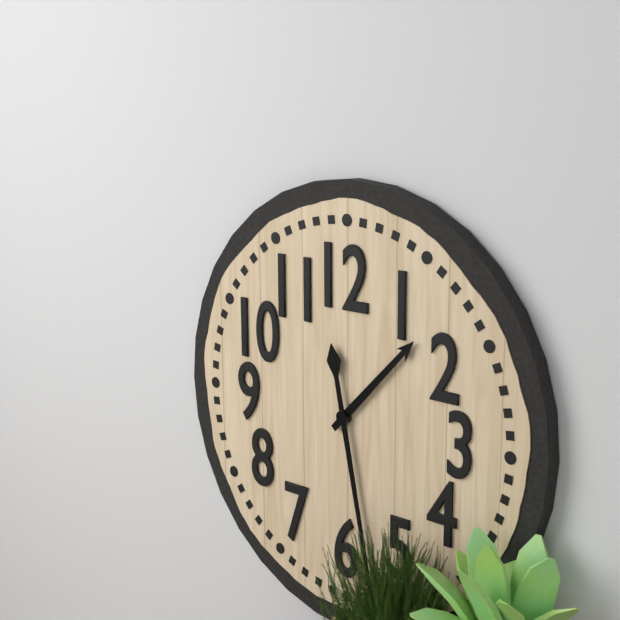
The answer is 1:28
